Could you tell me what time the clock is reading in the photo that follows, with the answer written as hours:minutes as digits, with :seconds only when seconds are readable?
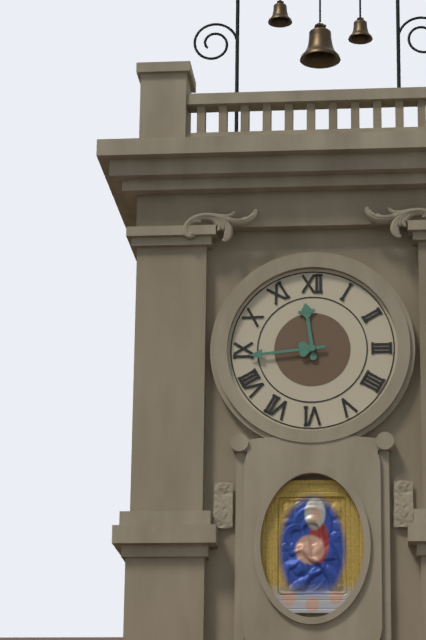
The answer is 11:44
